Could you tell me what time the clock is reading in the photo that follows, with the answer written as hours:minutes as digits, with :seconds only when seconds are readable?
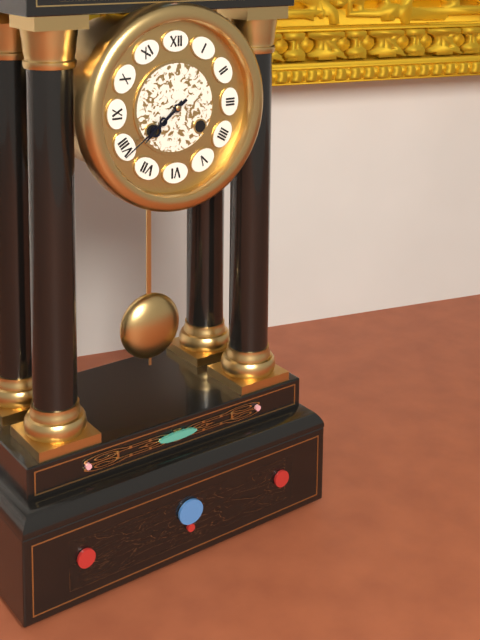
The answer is 7:39
